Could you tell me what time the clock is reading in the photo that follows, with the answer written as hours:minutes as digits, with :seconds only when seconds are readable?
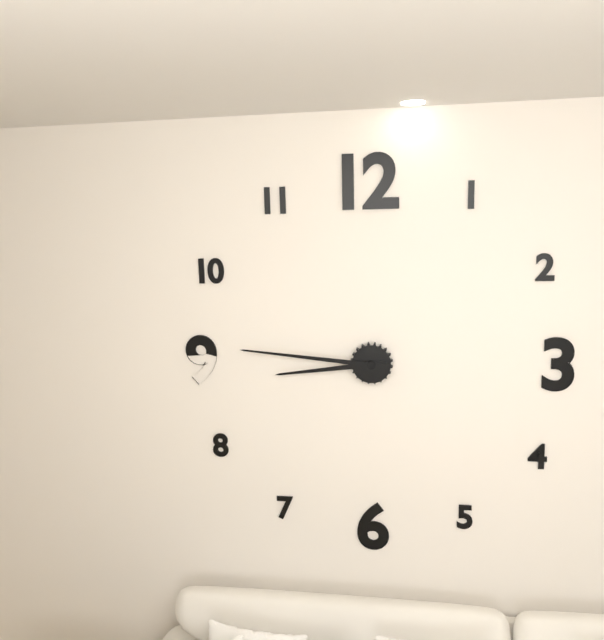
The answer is 8:46
